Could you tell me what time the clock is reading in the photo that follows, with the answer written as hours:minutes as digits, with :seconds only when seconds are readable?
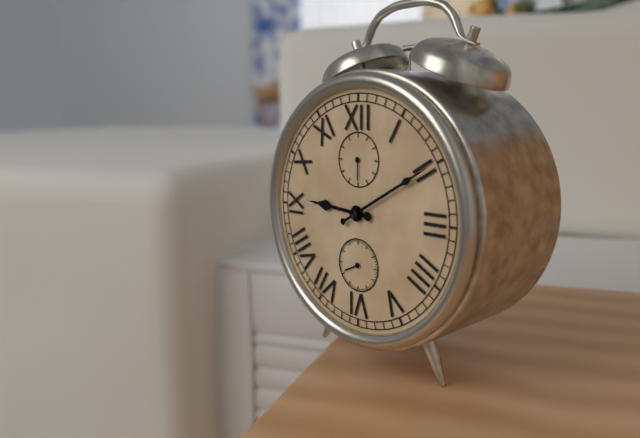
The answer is 9:10
